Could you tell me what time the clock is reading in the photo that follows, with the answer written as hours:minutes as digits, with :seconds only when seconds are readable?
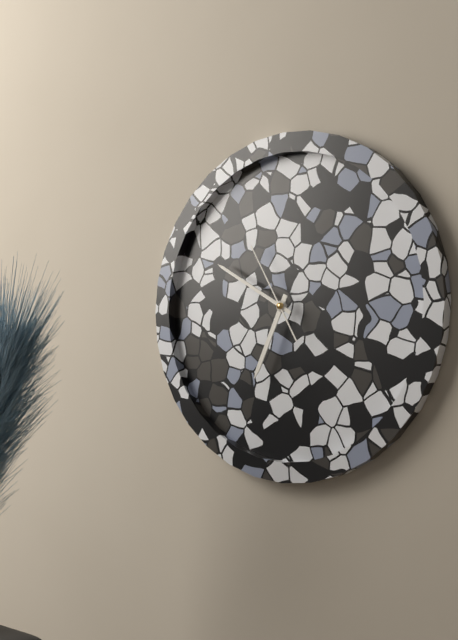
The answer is 6:50:55
